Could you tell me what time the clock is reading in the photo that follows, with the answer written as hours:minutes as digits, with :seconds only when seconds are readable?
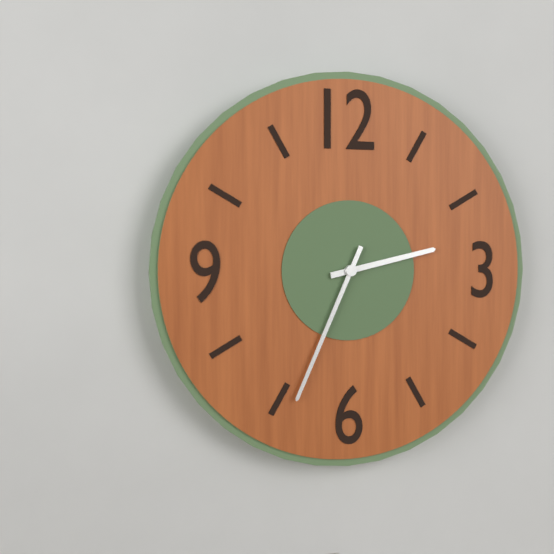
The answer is 2:34
